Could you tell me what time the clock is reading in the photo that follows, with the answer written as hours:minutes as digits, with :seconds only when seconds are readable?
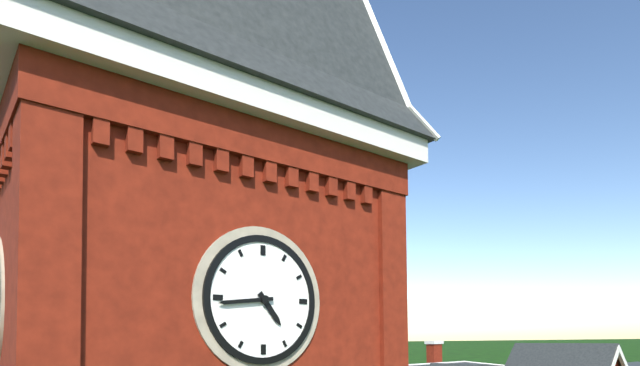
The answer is 4:44
